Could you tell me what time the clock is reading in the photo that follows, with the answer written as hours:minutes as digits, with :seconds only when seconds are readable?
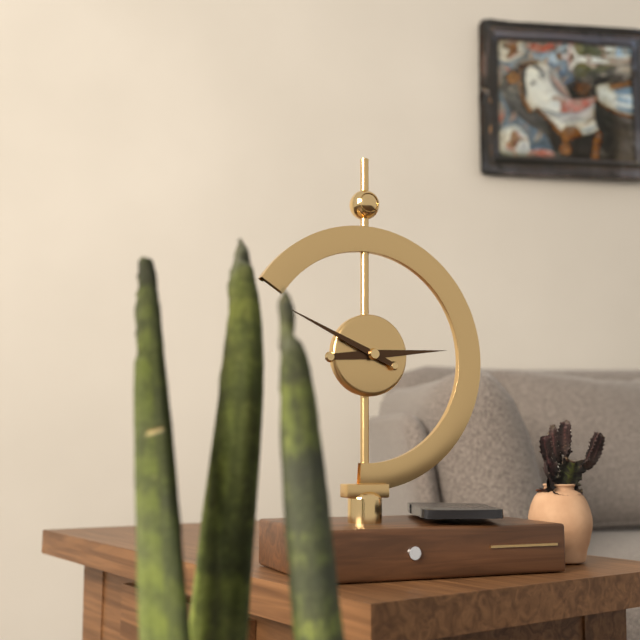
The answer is 2:49
